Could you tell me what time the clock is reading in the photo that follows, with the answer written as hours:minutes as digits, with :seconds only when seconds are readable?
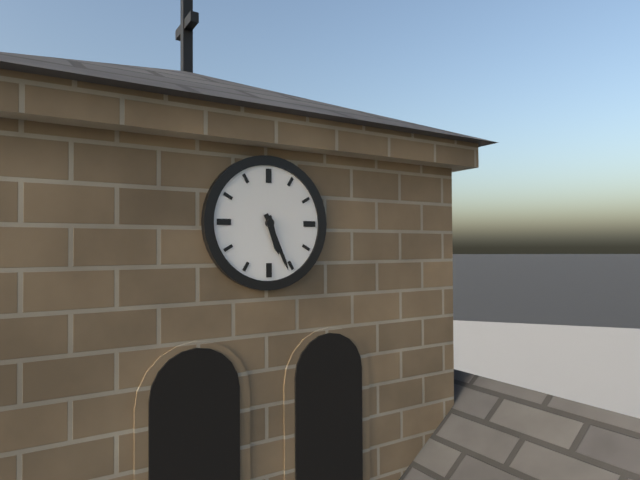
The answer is 5:26
